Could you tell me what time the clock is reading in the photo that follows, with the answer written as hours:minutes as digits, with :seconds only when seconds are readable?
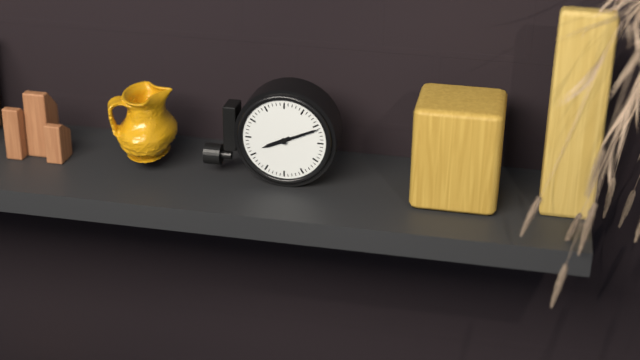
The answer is 8:11
